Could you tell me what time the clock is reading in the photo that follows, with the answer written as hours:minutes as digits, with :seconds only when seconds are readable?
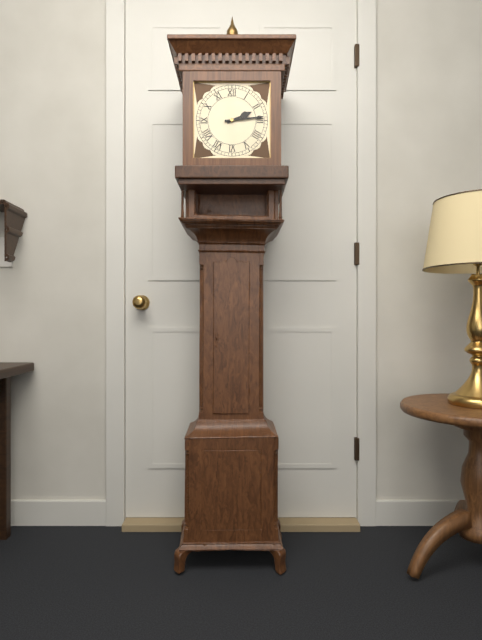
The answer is 2:14
